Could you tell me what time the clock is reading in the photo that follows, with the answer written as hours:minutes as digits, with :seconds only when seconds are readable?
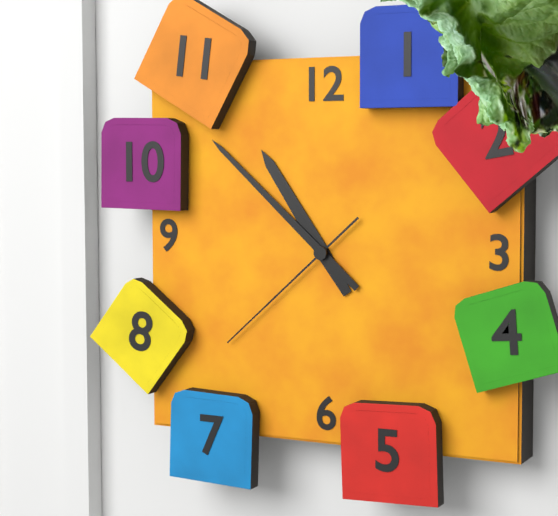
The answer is 10:52:38
